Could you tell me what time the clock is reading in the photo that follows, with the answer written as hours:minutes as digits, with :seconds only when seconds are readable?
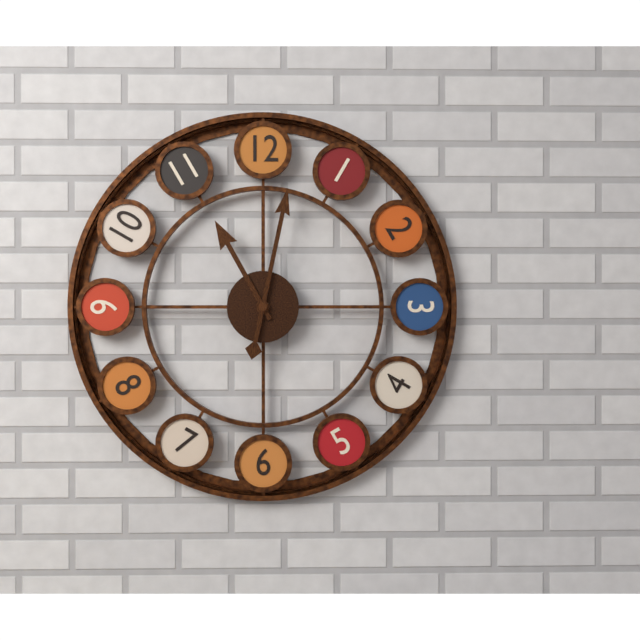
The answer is 11:02
